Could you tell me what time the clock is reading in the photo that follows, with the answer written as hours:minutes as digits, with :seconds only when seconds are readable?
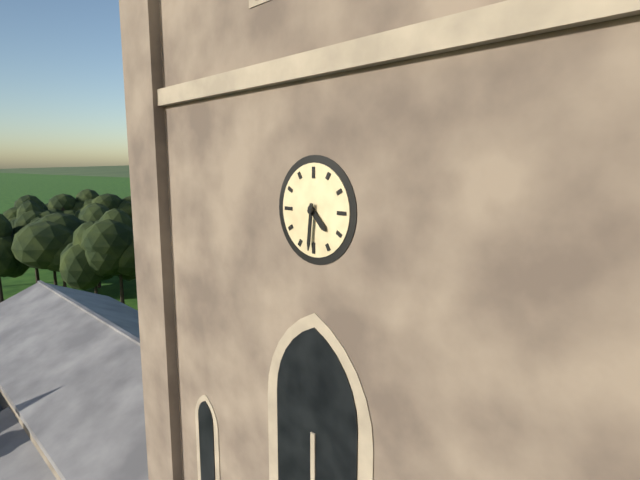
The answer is 4:31
